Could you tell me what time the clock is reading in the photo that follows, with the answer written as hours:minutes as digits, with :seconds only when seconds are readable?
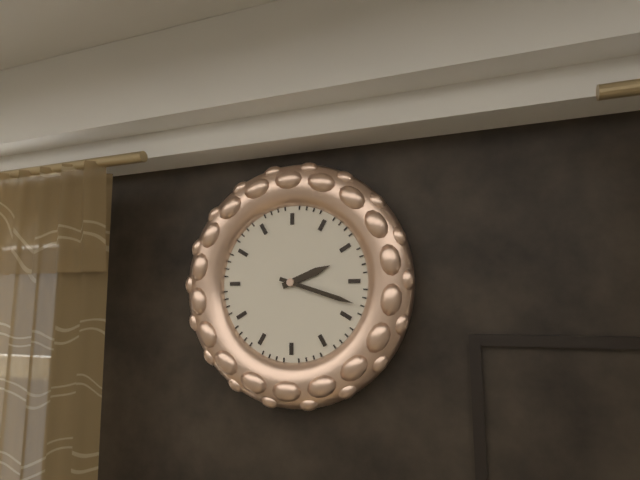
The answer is 2:18
